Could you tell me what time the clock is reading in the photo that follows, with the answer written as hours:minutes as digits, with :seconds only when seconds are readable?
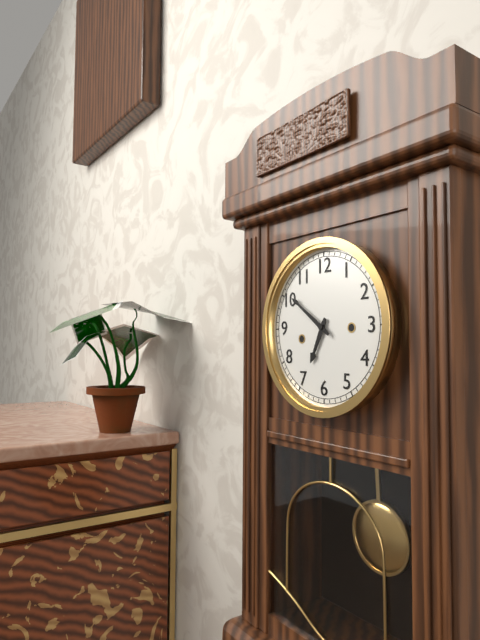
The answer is 6:51
